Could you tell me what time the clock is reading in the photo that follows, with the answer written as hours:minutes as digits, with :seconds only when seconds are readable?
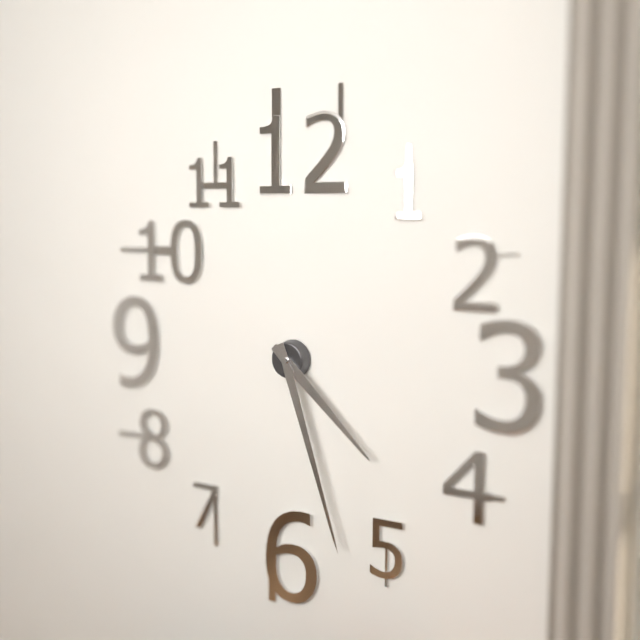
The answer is 4:27
